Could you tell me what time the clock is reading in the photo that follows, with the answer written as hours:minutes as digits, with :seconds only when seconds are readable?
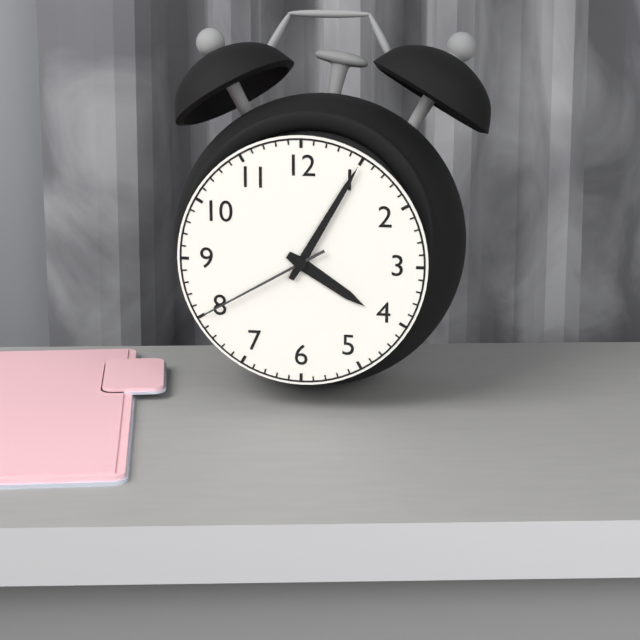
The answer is 4:05:40
